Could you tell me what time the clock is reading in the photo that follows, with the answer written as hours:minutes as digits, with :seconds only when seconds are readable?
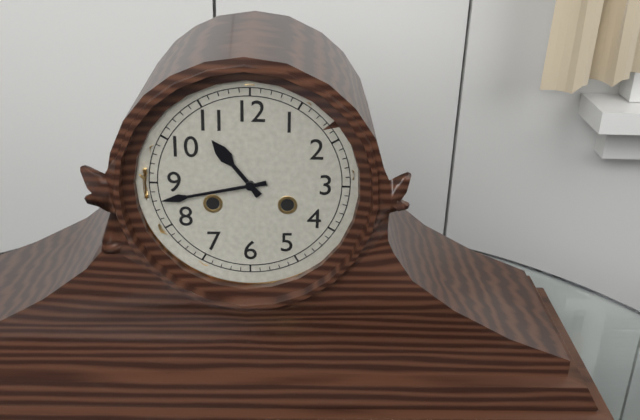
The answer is 10:43
